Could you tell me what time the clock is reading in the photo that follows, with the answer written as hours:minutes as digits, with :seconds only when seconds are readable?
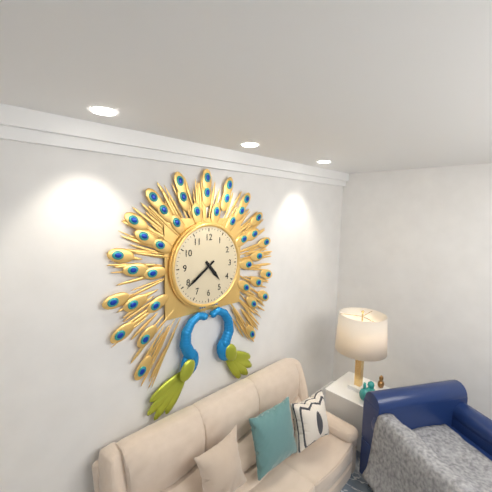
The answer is 4:39
